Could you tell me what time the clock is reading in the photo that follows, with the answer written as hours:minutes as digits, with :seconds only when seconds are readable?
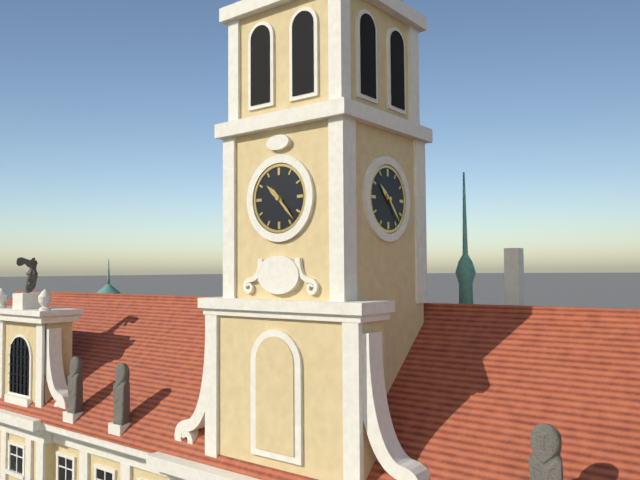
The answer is 10:23
